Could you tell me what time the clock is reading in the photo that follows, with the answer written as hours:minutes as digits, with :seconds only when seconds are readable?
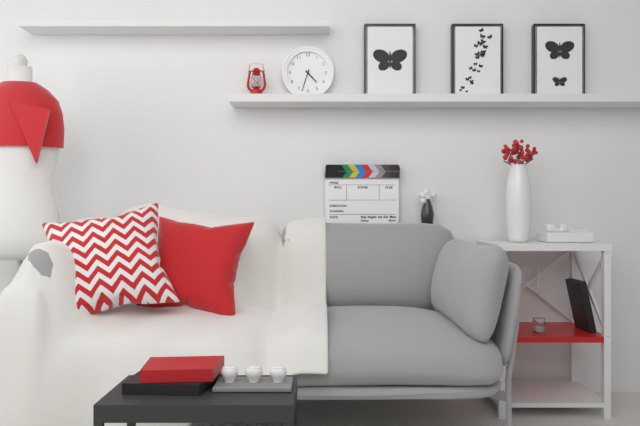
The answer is 4:33
